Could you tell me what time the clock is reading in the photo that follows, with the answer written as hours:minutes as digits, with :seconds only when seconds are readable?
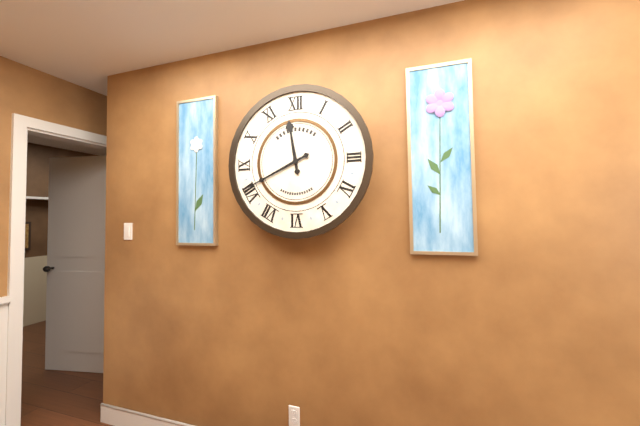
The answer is 11:41
